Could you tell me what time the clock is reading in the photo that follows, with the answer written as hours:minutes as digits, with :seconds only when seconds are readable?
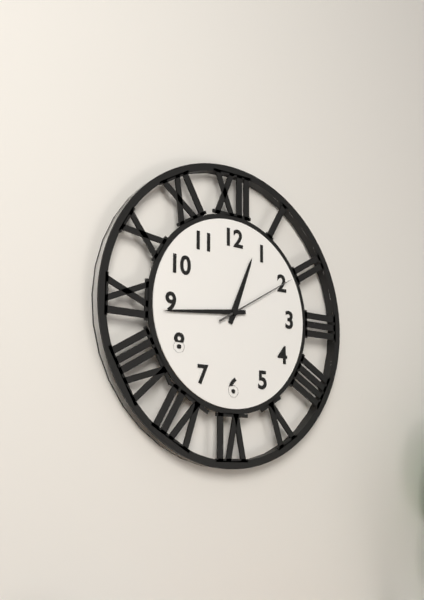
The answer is 12:44:10
